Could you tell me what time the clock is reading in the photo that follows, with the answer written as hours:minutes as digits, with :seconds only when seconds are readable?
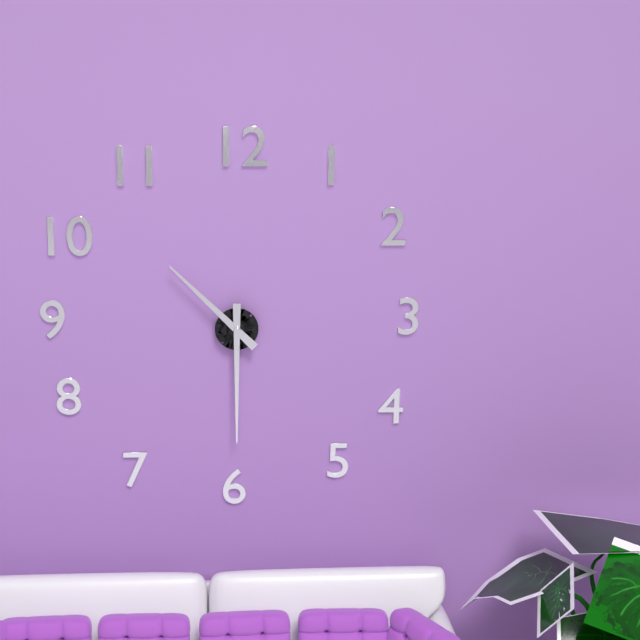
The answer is 10:30
